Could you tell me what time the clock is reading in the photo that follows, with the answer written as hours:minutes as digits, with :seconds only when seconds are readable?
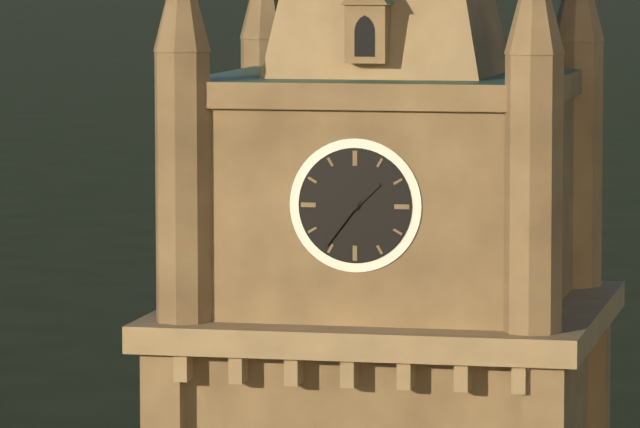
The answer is 1:36
